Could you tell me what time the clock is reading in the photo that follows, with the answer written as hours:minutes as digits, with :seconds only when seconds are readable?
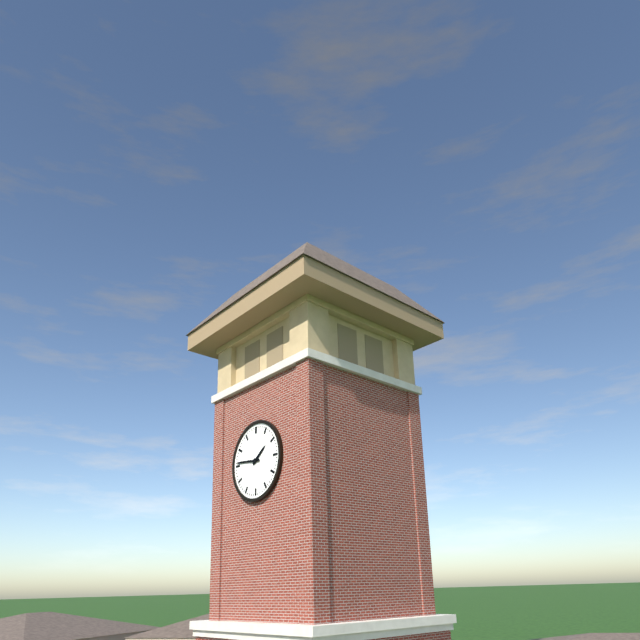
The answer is 1:46
